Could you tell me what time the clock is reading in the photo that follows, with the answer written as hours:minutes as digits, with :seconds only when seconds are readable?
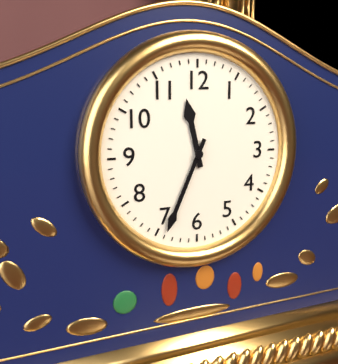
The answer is 11:34
